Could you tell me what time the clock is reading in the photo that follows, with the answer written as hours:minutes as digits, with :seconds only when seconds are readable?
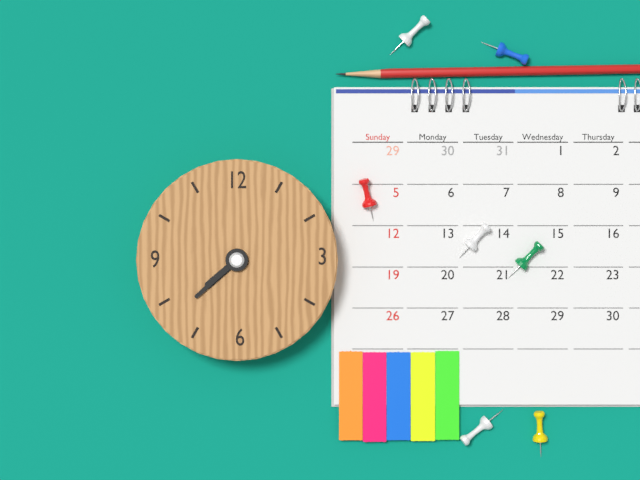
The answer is 7:38
